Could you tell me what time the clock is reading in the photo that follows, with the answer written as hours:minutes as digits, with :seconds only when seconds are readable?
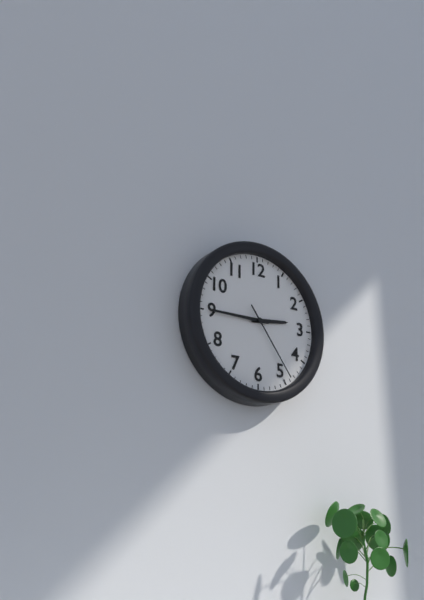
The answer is 2:45:24
